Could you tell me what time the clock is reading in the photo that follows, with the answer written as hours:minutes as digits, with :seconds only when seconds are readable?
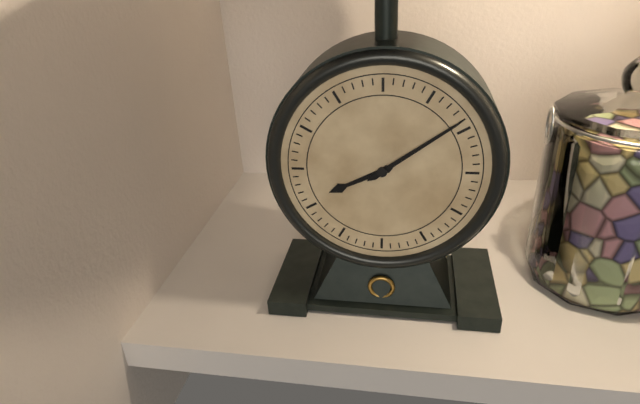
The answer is 8:09
